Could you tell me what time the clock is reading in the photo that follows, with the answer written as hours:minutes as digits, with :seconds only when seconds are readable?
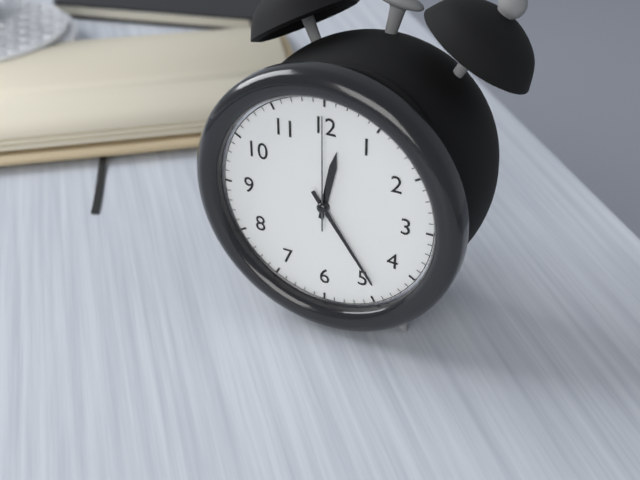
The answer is 12:24:00
